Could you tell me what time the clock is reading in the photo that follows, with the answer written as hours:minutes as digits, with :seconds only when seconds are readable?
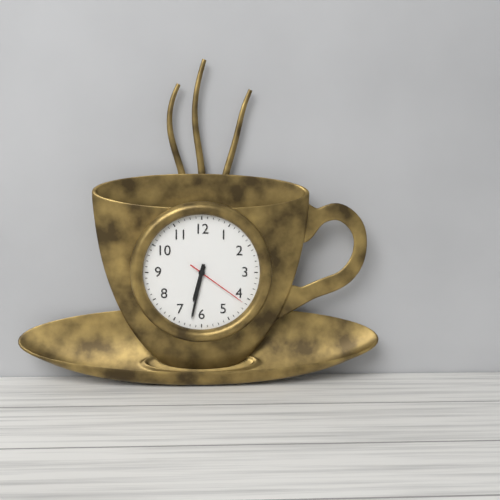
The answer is 6:32:21
